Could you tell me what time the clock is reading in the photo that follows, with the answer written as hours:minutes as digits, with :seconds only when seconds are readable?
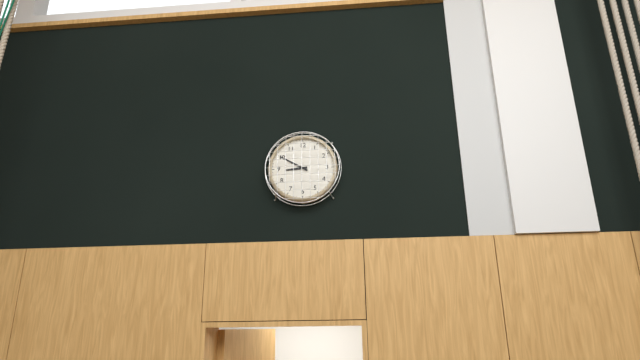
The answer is 8:50
